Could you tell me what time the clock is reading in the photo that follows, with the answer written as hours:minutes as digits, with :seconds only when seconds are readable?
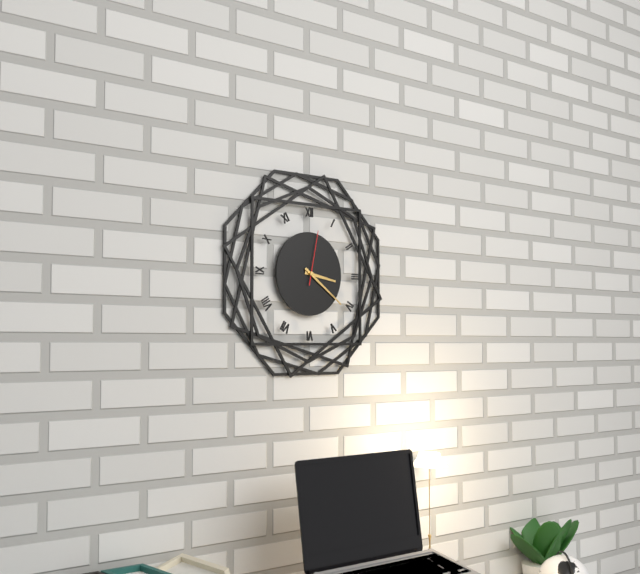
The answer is 3:21:02
